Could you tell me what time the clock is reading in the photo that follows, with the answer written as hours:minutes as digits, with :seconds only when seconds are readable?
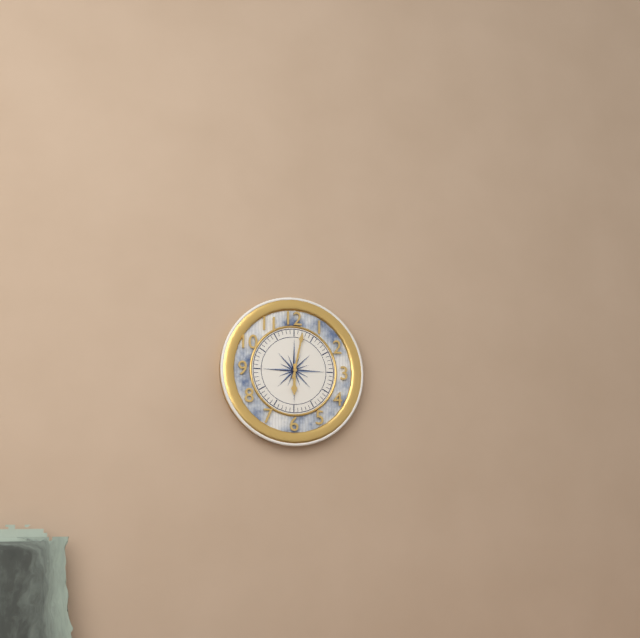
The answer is 6:02
